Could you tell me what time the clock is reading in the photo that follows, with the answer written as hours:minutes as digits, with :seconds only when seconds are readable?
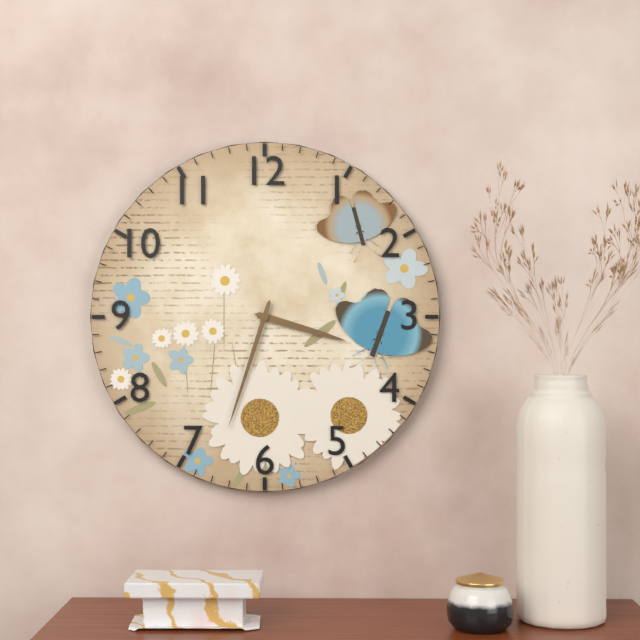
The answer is 3:33
